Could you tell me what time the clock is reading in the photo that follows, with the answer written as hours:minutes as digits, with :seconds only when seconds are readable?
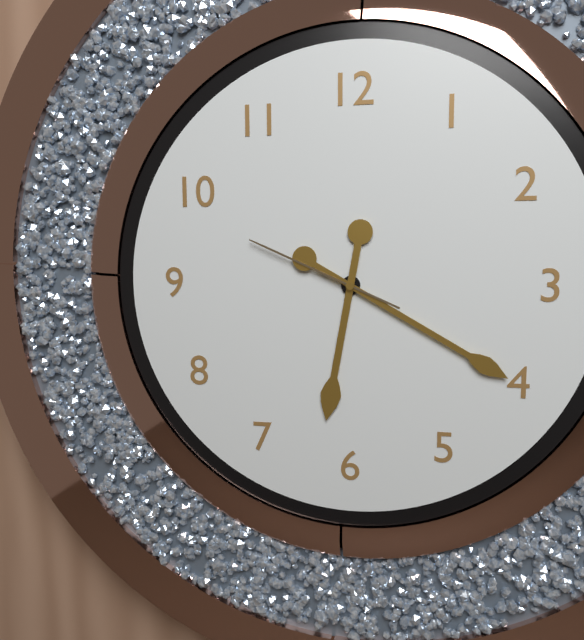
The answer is 6:20:49
